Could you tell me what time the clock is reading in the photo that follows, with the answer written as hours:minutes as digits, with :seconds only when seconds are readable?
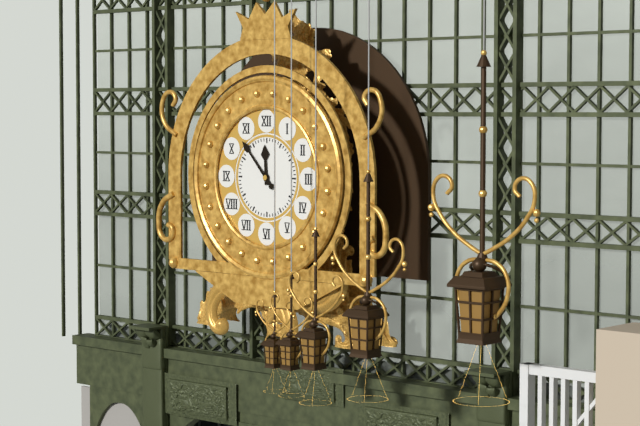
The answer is 11:53
